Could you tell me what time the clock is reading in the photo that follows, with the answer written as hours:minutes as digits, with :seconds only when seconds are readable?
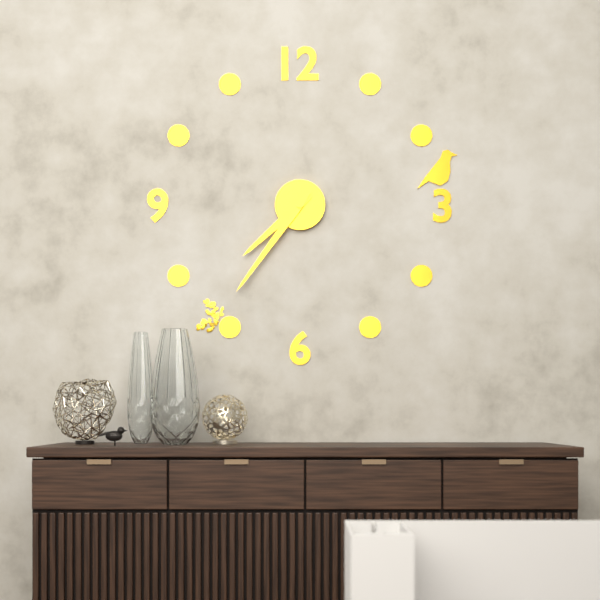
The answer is 7:36
